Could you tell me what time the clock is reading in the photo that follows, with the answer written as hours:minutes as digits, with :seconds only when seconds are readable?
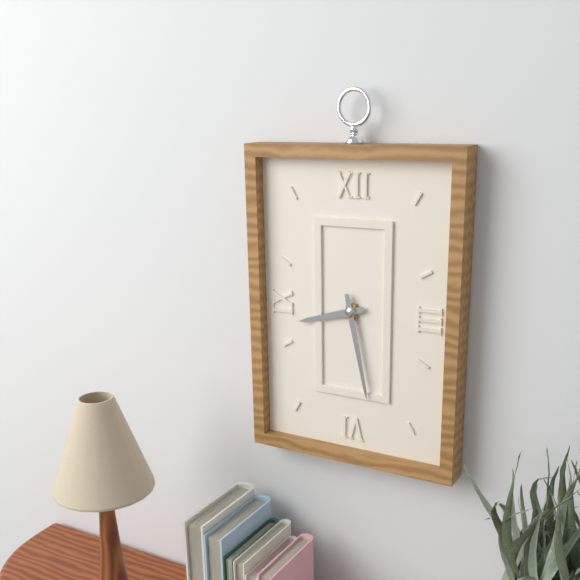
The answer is 8:28
